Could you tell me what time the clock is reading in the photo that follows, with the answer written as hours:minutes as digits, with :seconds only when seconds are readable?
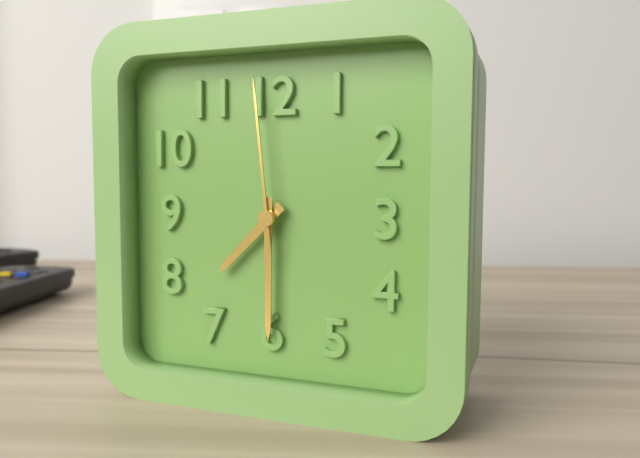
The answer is 7:30:59
